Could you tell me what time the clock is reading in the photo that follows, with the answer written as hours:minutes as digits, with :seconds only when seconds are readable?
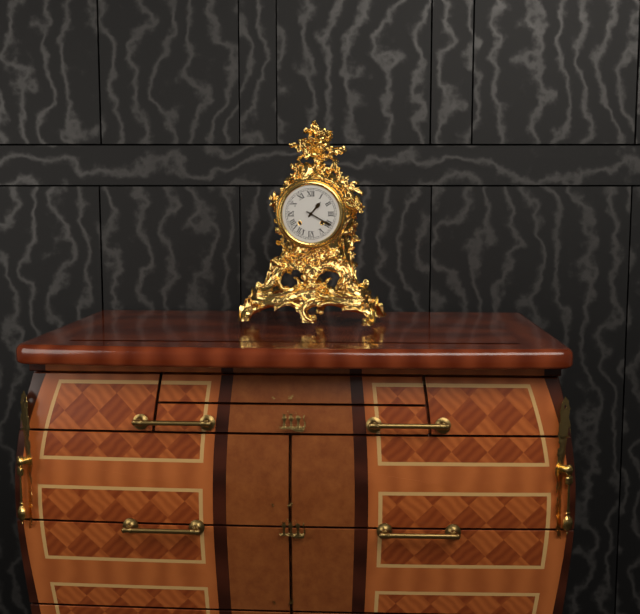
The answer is 1:20
